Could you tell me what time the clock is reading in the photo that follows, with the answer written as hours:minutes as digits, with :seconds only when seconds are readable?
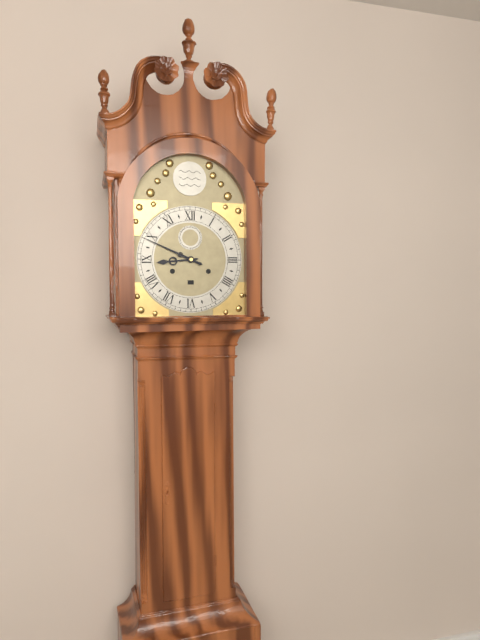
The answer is 8:49
